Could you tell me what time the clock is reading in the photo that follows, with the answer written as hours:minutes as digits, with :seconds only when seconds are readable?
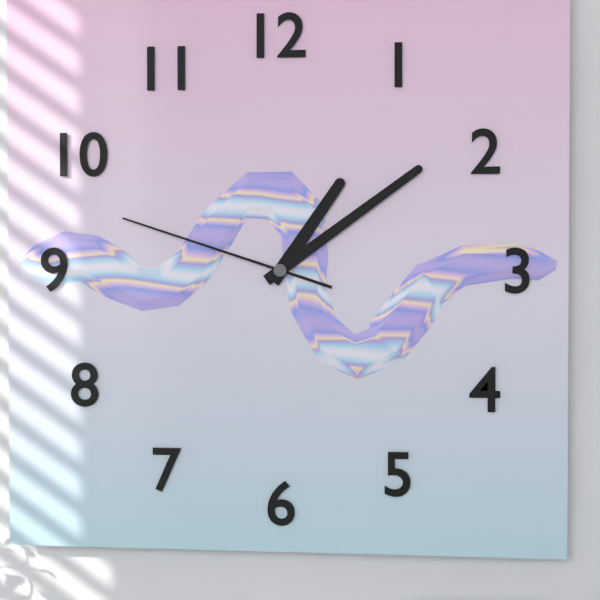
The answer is 1:09:48
